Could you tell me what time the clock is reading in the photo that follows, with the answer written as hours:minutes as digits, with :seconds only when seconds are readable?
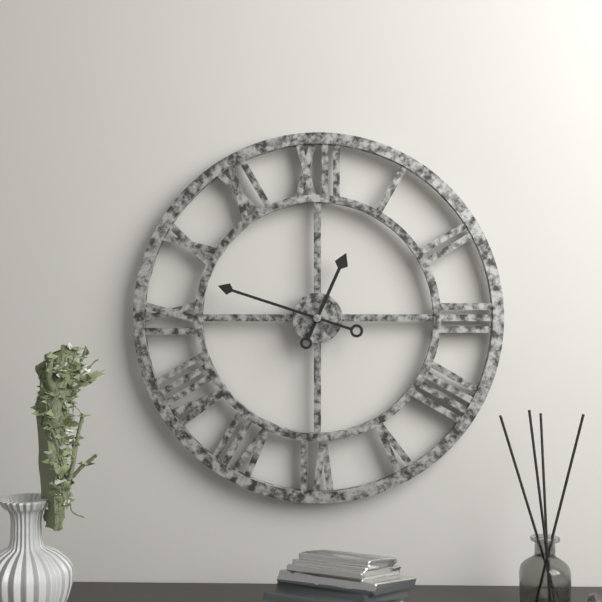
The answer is 12:48
